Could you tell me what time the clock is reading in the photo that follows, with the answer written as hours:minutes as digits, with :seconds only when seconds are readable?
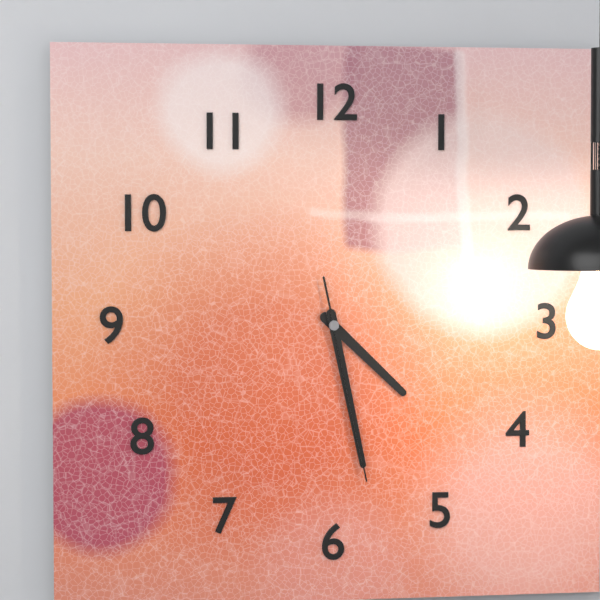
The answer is 4:28:28
